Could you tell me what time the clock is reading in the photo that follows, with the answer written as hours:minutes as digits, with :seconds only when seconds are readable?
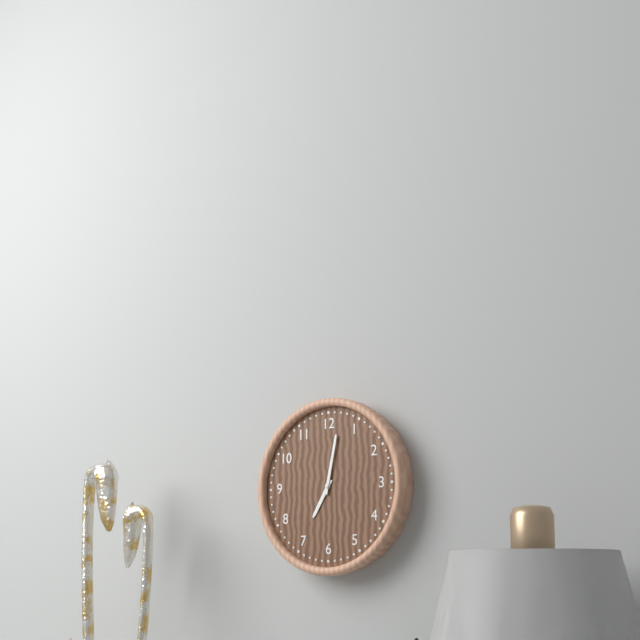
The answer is 7:02
